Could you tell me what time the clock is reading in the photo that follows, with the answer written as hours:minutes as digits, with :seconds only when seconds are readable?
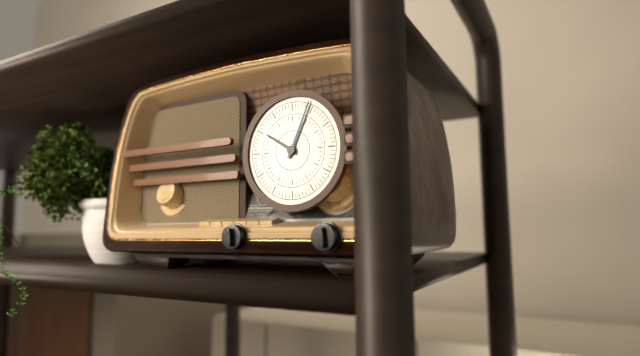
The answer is 10:04
